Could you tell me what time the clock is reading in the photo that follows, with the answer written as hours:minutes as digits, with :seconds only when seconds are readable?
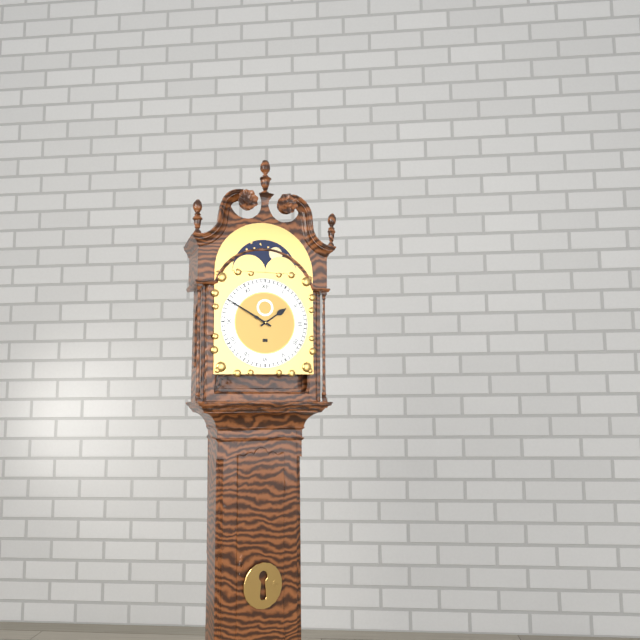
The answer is 1:50
